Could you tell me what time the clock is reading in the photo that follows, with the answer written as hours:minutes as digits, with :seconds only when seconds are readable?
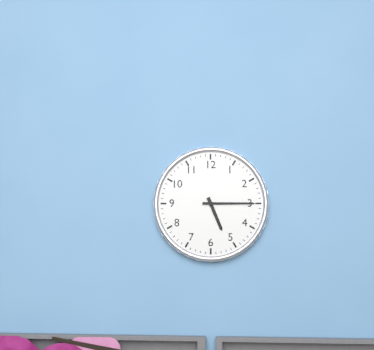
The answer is 5:15
